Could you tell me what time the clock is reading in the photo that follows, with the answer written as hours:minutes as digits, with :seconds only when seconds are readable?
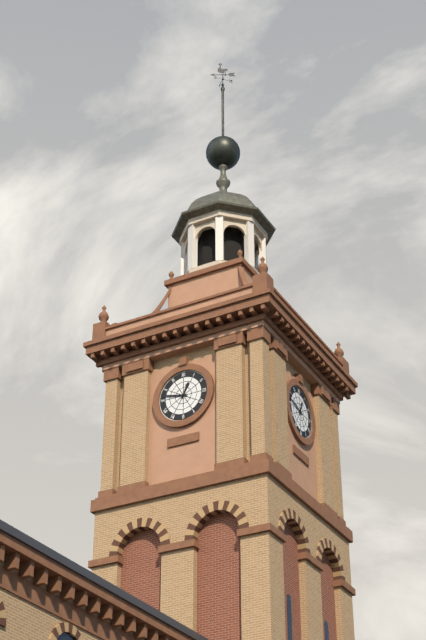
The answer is 12:47
